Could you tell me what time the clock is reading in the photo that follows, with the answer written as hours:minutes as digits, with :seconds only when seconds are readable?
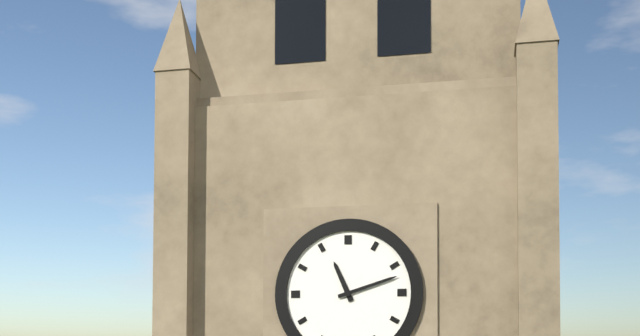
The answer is 11:12
